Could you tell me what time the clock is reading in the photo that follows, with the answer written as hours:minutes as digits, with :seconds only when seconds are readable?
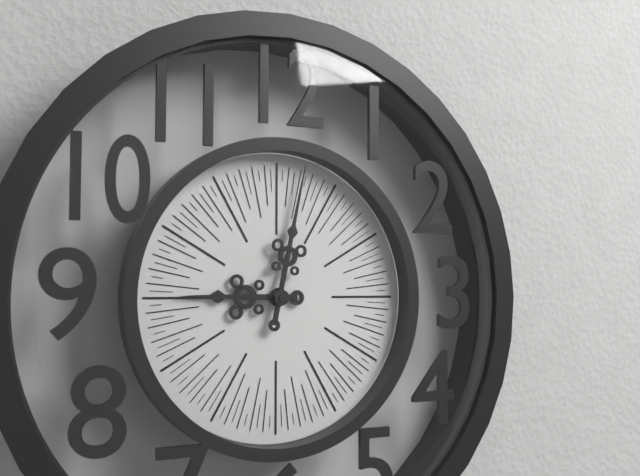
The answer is 9:02
